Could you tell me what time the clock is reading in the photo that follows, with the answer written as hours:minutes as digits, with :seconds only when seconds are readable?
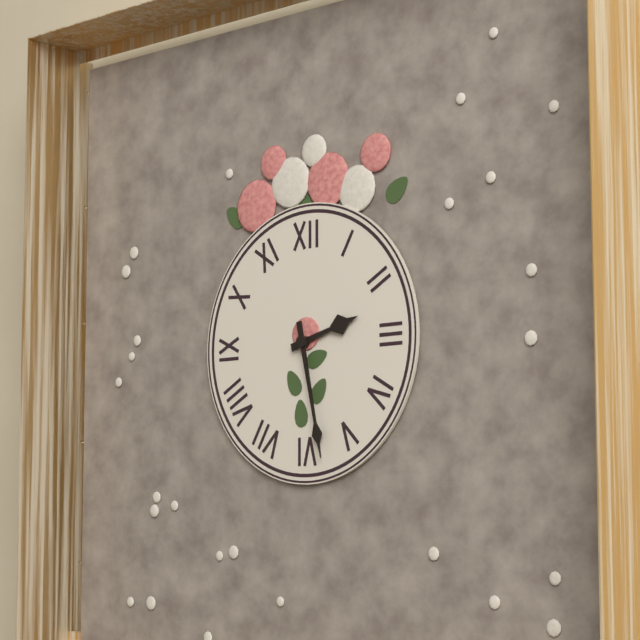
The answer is 2:28
